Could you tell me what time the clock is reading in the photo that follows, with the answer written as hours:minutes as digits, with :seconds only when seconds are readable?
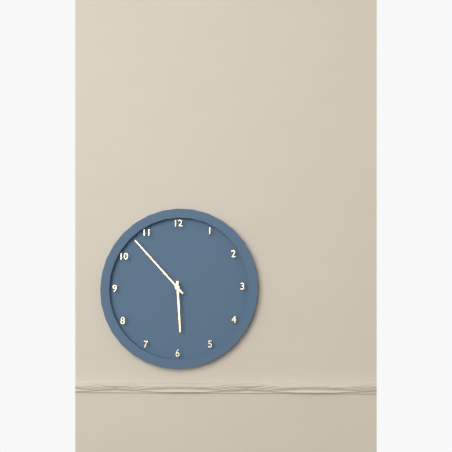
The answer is 5:53
